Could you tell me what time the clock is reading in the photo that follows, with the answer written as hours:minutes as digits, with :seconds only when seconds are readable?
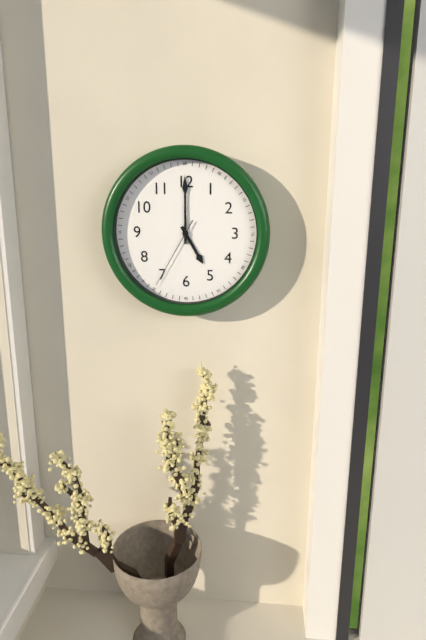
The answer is 5:00:35
